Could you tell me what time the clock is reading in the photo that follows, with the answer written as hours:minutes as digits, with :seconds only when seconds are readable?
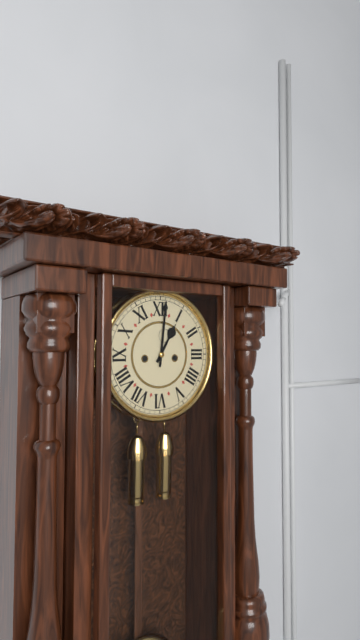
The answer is 1:01
